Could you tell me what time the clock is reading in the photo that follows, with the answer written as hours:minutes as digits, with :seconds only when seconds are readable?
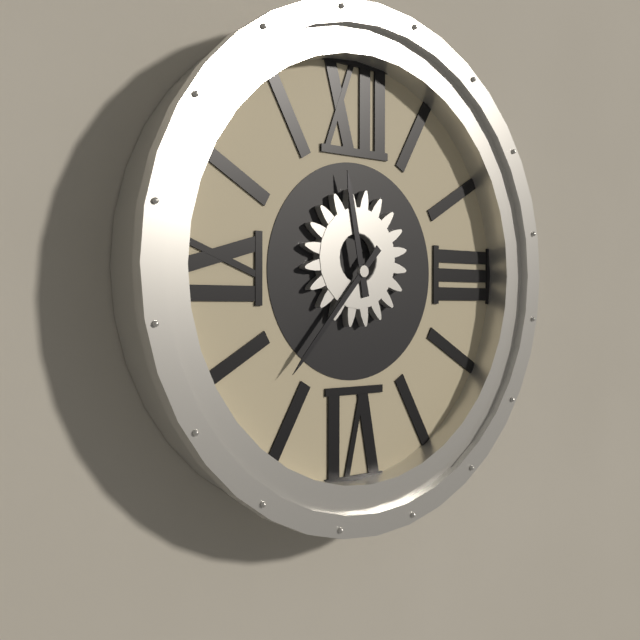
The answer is 11:37
